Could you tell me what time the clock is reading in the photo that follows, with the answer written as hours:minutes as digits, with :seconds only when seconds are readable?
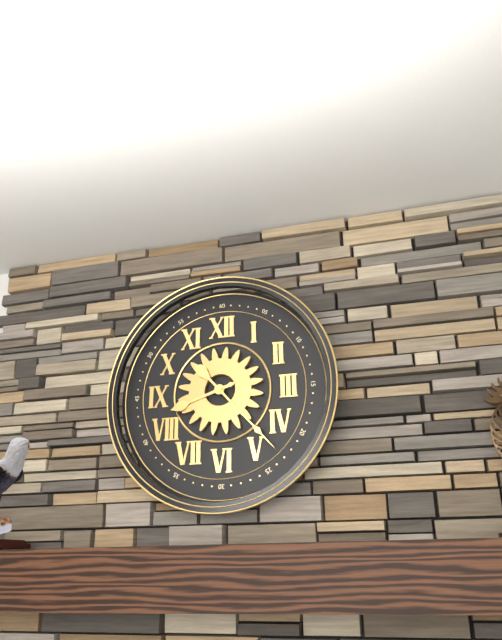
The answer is 8:23
